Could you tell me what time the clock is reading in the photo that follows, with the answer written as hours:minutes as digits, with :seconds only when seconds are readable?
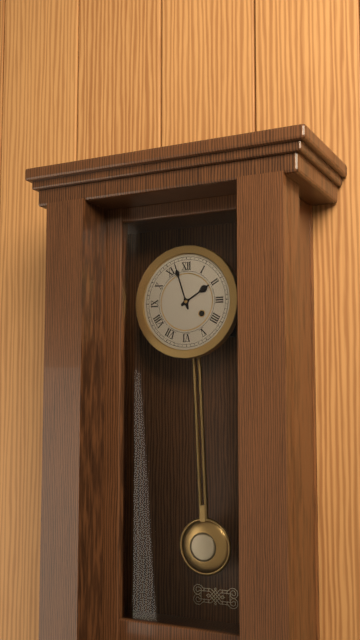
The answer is 1:57
